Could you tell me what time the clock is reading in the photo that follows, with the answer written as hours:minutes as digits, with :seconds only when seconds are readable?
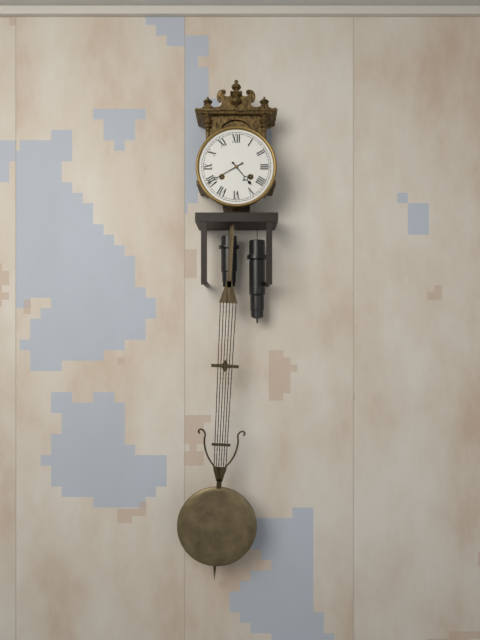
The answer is 4:40
